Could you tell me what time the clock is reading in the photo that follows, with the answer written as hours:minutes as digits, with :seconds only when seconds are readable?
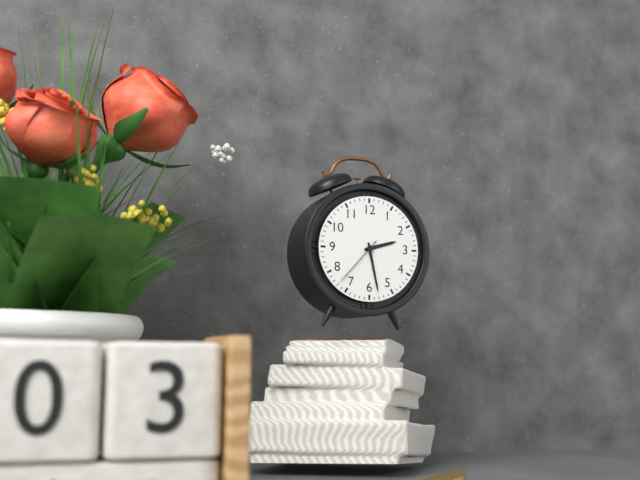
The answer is 2:28:37
